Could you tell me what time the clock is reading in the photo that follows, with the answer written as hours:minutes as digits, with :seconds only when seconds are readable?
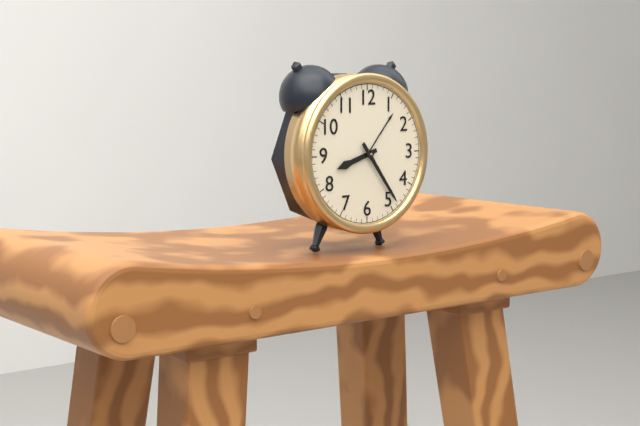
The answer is 8:24
